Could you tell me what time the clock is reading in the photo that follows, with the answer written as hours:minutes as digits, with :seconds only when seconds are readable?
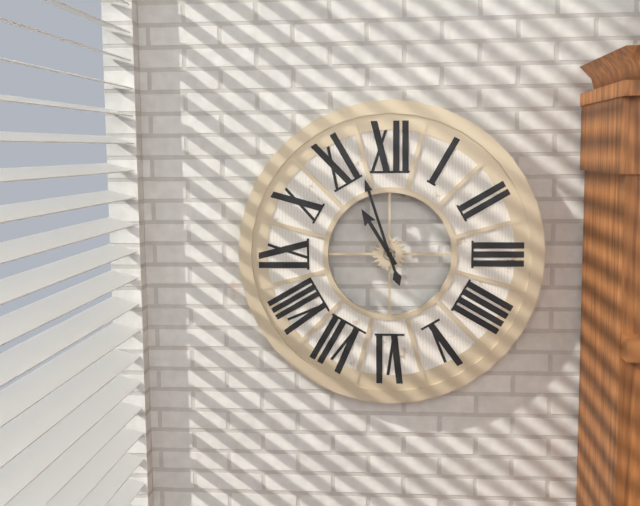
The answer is 10:57
